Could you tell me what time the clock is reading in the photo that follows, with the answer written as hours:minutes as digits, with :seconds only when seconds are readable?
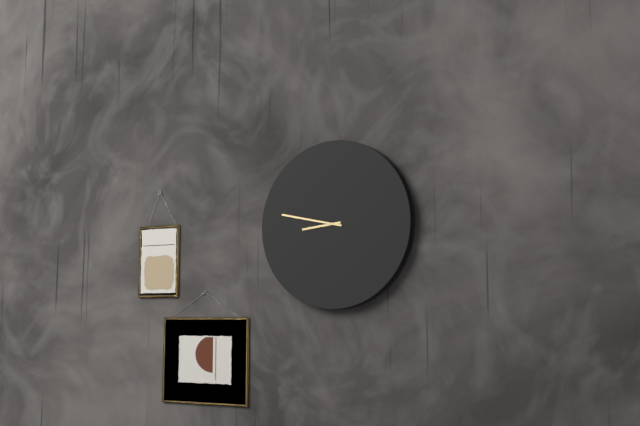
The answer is 8:47
